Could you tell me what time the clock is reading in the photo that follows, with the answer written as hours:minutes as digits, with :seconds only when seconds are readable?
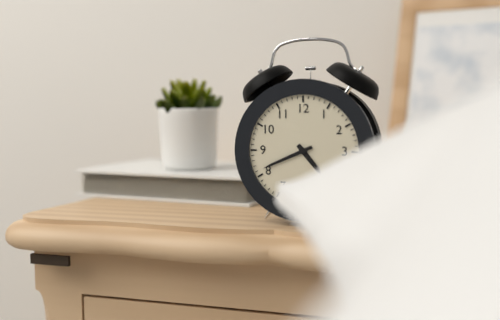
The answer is 4:41
